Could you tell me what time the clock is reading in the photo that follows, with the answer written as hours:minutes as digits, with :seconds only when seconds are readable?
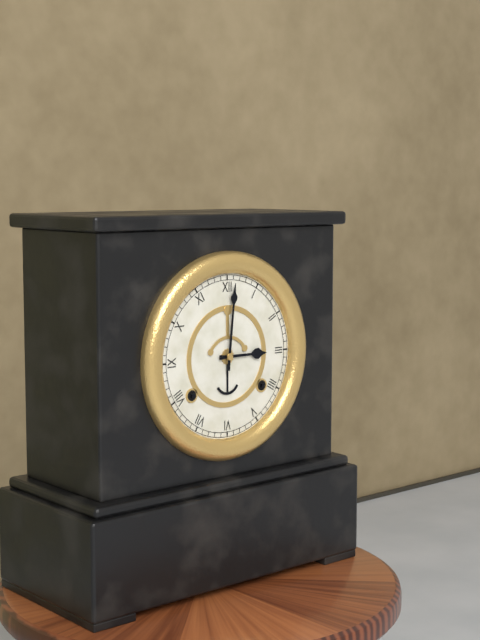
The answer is 3:01
